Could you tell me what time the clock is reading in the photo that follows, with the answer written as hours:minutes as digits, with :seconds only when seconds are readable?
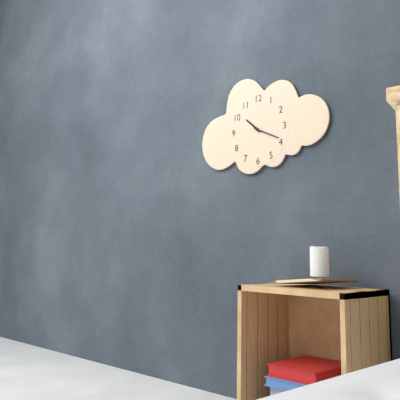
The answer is 10:19
